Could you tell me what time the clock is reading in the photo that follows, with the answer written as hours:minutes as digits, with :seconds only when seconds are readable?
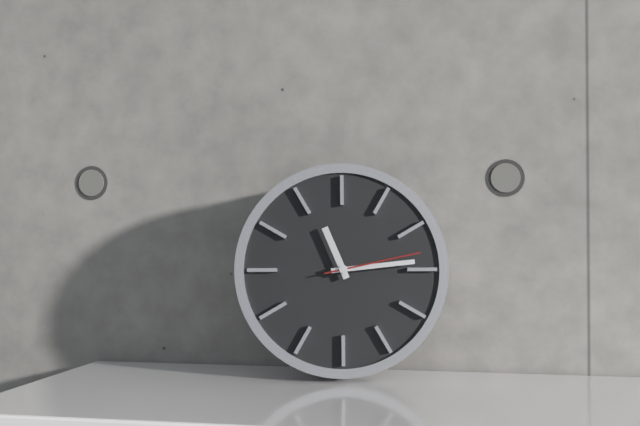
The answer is 11:14:13
